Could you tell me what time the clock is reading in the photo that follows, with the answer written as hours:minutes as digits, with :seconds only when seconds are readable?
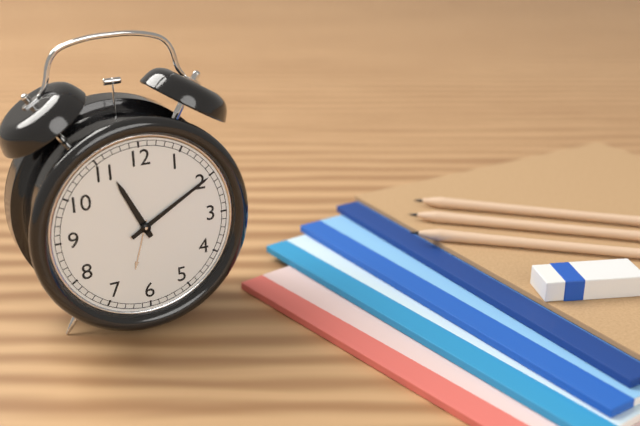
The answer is 11:10
